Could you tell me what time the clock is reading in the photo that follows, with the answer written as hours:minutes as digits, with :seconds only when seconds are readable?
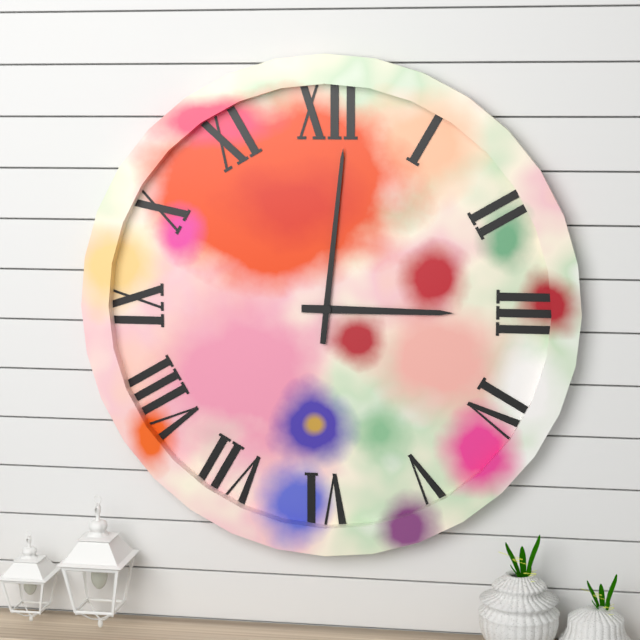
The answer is 3:01
